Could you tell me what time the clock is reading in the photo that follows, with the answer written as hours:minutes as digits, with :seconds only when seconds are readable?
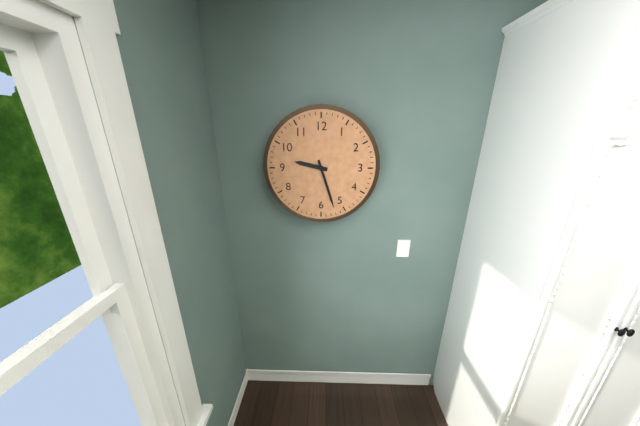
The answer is 9:27
